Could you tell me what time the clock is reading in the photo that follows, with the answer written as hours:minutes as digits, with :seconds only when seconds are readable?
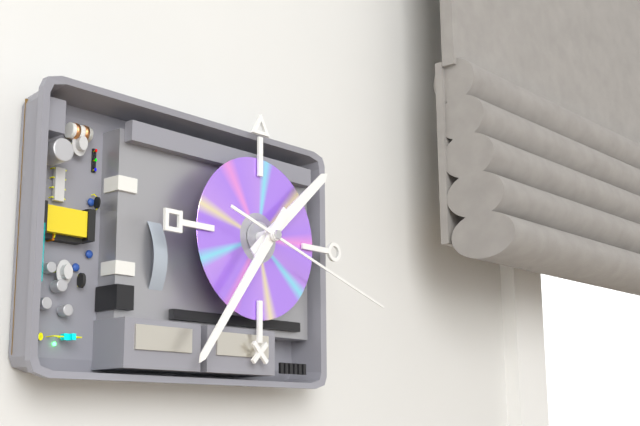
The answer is 1:36:18
